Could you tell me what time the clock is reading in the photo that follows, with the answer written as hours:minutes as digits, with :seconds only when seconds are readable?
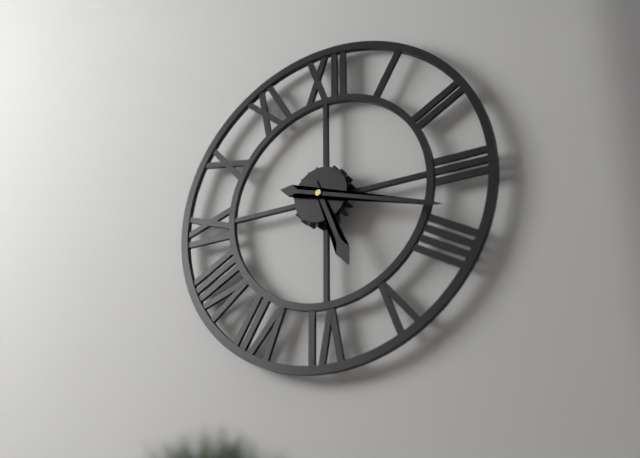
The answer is 5:18
